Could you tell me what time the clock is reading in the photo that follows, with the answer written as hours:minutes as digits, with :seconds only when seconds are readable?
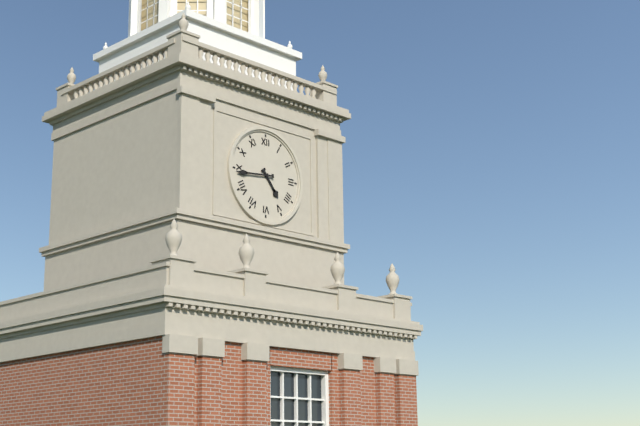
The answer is 4:44
